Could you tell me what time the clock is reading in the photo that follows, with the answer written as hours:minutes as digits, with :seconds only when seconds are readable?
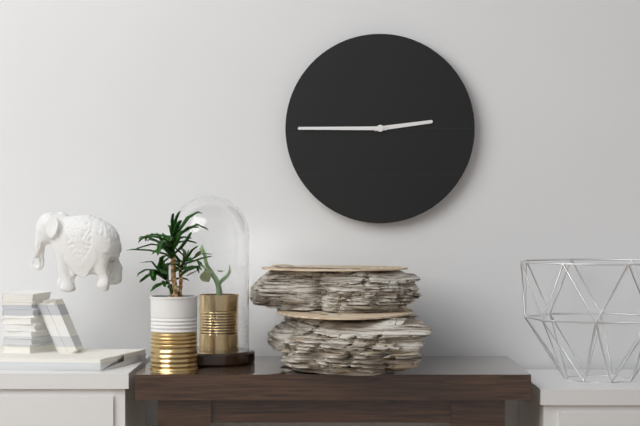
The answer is 2:45
